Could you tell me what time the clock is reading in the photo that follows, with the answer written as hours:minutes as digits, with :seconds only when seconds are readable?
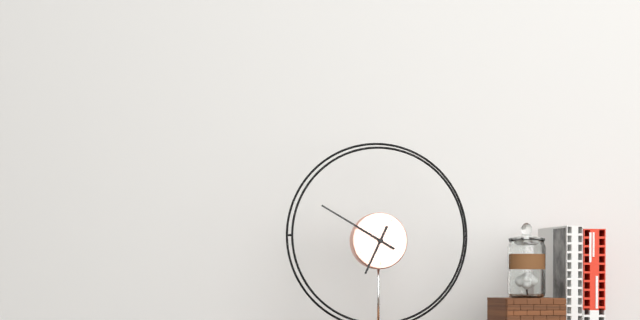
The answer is 6:50
